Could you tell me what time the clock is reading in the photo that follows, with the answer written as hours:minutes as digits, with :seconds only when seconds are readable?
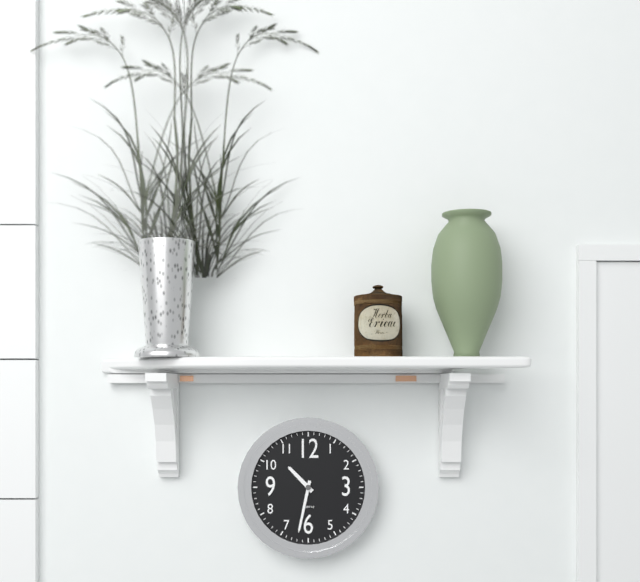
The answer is 10:32
